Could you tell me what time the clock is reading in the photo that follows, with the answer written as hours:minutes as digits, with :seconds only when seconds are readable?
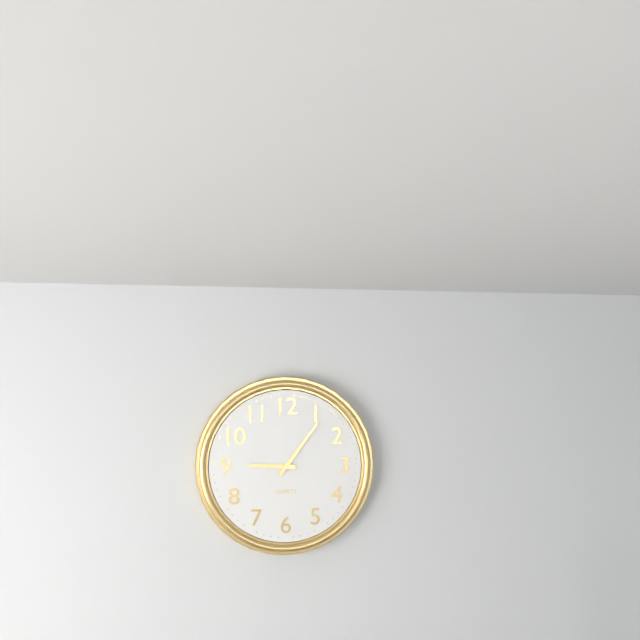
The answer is 9:06
